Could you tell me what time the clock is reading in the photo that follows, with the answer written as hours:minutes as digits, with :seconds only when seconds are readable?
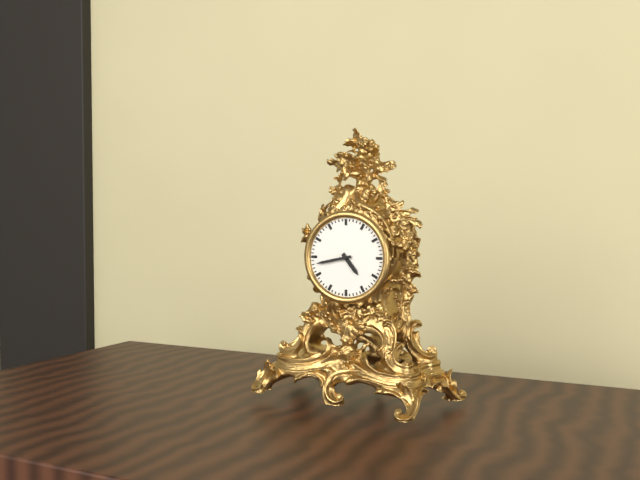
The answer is 4:43
